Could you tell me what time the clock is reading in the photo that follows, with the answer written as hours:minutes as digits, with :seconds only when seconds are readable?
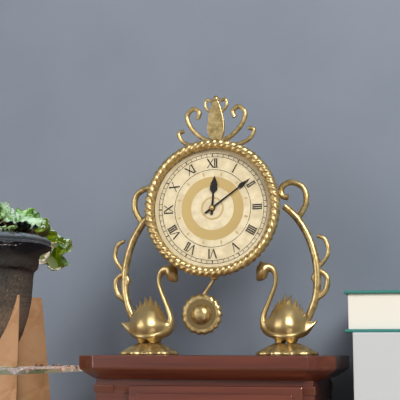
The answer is 12:09
